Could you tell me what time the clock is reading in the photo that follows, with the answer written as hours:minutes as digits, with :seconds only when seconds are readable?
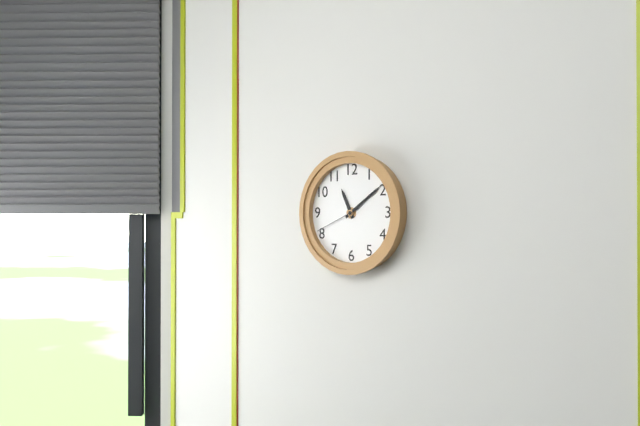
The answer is 11:09
